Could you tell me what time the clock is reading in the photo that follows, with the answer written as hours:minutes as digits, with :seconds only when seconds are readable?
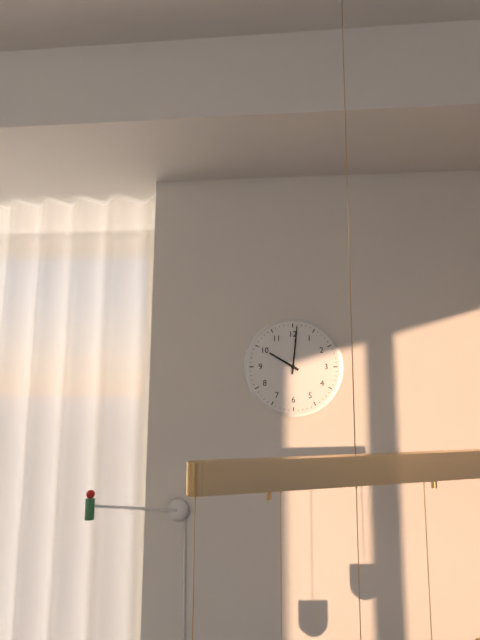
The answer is 10:01
